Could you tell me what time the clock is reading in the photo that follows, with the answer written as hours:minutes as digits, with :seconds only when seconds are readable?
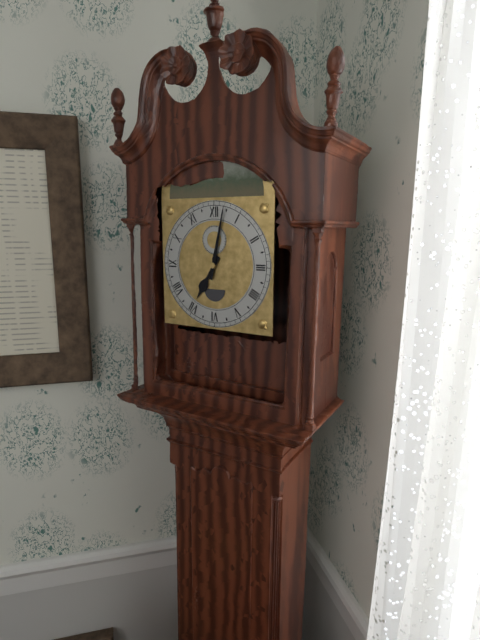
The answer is 7:02
